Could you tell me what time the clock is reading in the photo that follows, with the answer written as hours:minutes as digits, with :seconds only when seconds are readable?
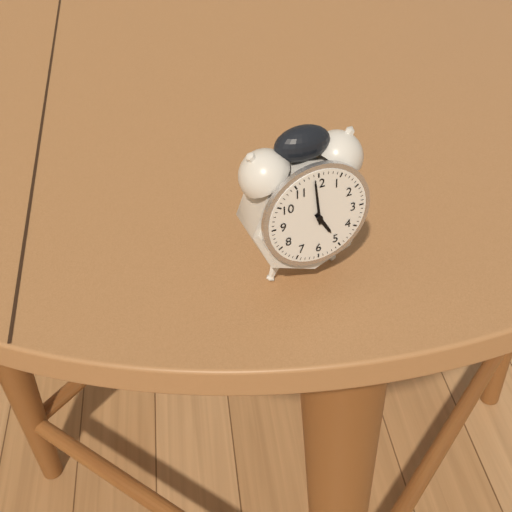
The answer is 4:59
